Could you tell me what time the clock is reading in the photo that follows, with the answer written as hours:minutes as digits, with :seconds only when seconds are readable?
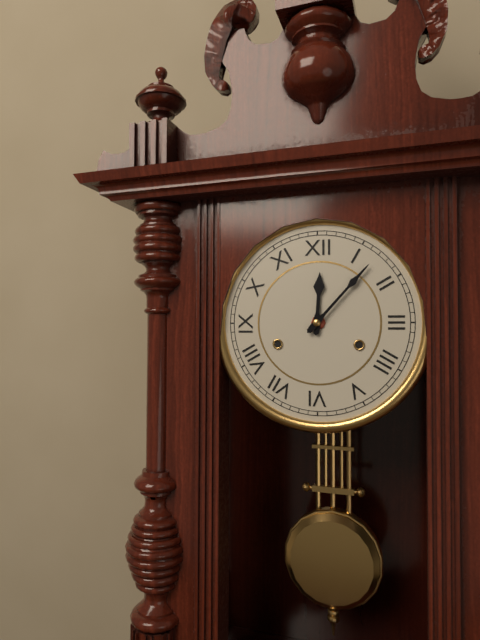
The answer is 12:07
